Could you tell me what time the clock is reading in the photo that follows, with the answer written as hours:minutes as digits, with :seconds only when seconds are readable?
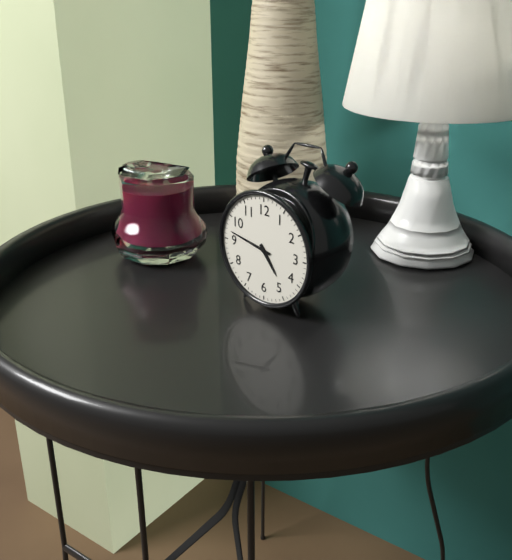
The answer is 4:47
